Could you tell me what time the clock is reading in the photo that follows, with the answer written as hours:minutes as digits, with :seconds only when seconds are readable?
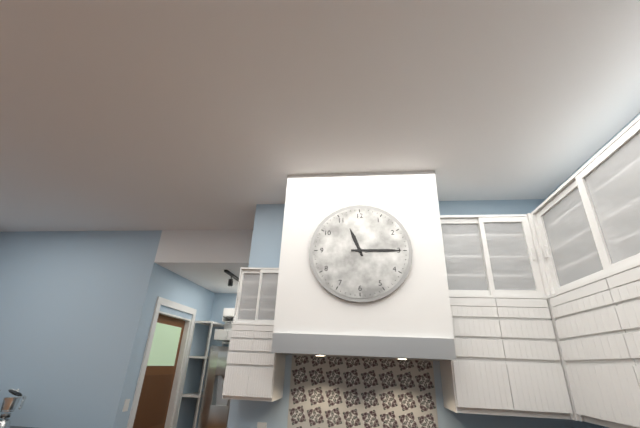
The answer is 11:15
